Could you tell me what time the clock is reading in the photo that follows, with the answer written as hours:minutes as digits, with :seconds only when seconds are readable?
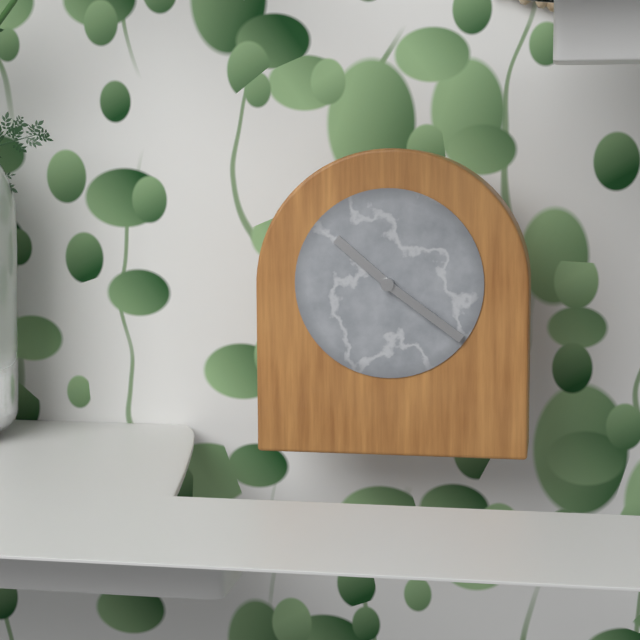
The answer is 10:21
